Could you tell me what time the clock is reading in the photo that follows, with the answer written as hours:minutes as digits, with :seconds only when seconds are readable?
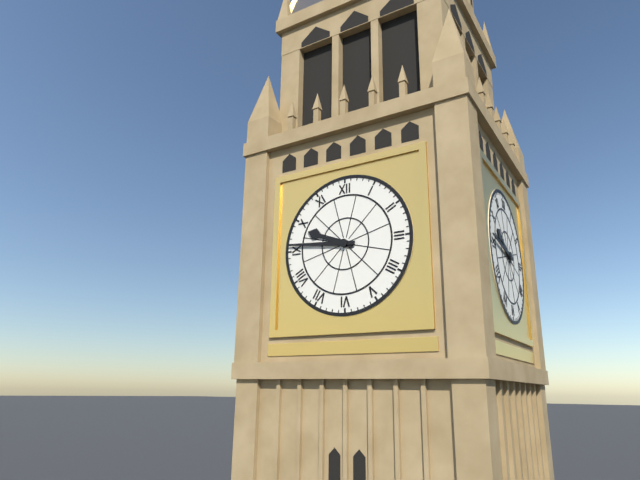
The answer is 9:46
